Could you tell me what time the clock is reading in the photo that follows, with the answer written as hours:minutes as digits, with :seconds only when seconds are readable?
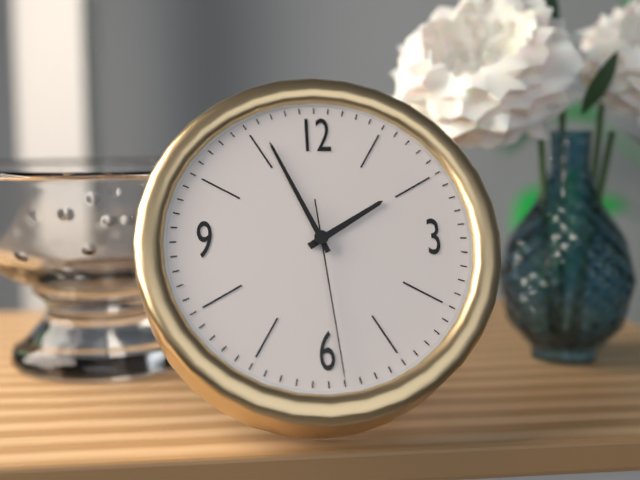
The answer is 1:56:29
